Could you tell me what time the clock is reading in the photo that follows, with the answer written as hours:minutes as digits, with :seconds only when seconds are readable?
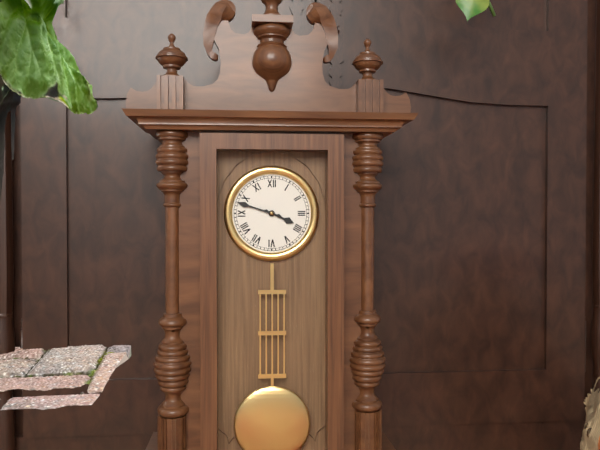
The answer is 3:48
